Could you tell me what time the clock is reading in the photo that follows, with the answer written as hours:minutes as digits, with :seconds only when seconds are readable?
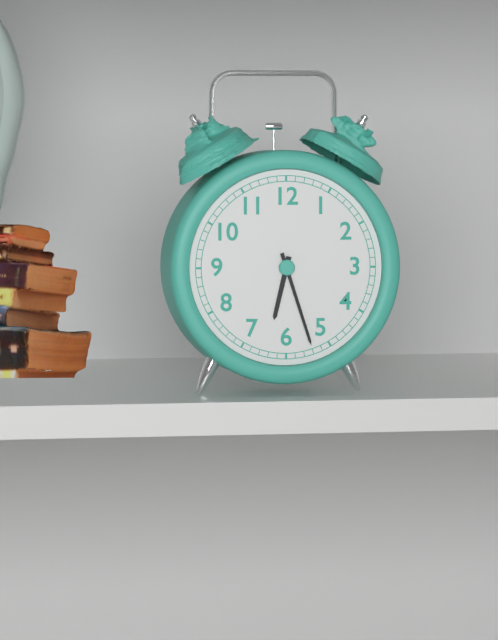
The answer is 6:27
